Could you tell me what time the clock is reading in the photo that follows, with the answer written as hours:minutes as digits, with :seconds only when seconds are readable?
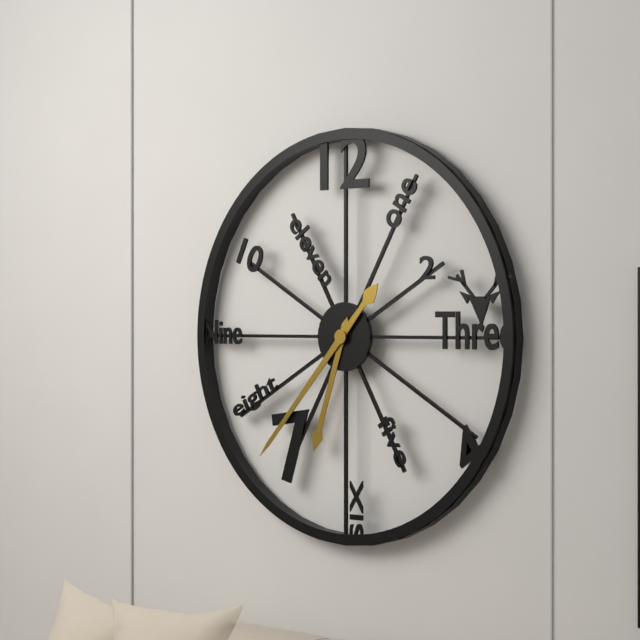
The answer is 6:37
